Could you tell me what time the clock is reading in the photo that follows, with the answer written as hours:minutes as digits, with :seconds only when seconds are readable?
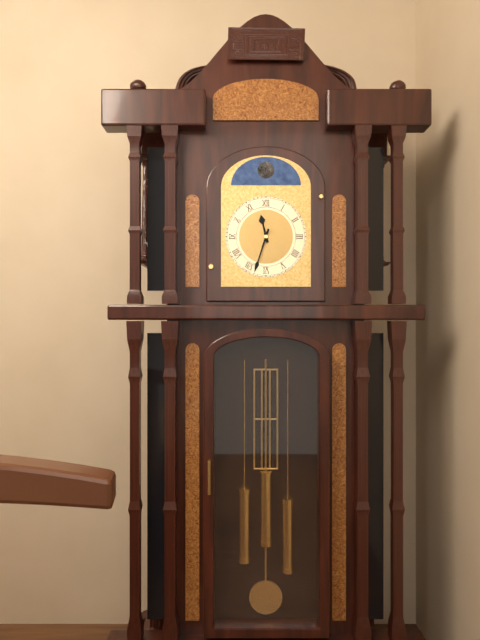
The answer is 11:33
